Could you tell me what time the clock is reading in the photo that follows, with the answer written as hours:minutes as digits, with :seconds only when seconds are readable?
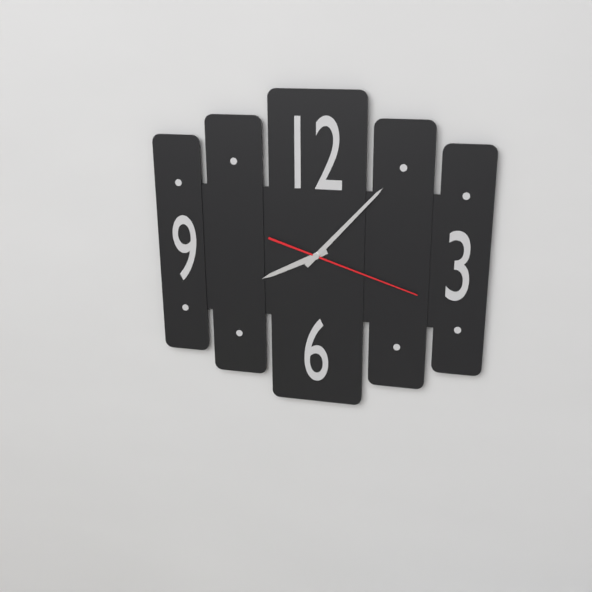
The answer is 8:07:18
